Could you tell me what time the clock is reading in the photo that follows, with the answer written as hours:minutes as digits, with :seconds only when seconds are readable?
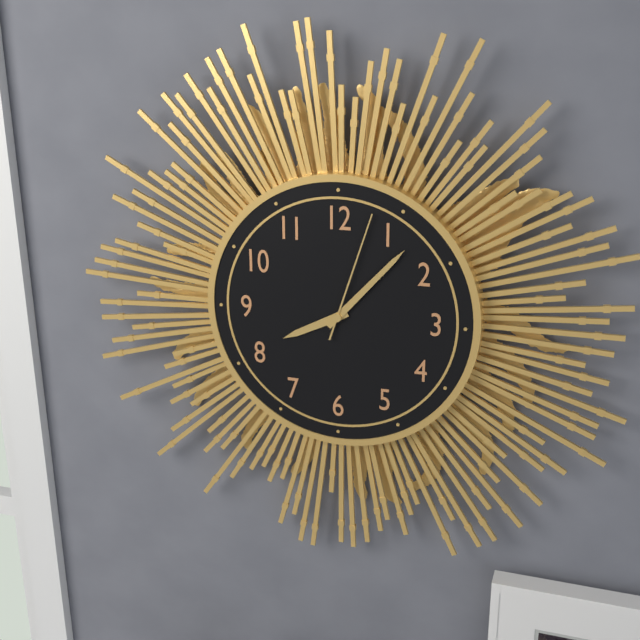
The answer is 8:07:03
